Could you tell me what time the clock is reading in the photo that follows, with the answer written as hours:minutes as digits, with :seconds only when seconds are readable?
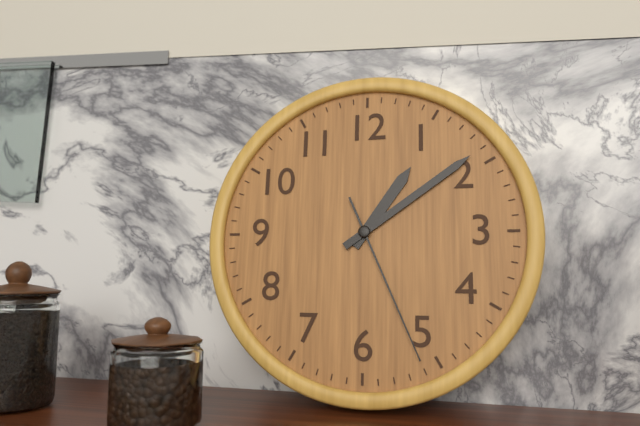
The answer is 1:09:26
